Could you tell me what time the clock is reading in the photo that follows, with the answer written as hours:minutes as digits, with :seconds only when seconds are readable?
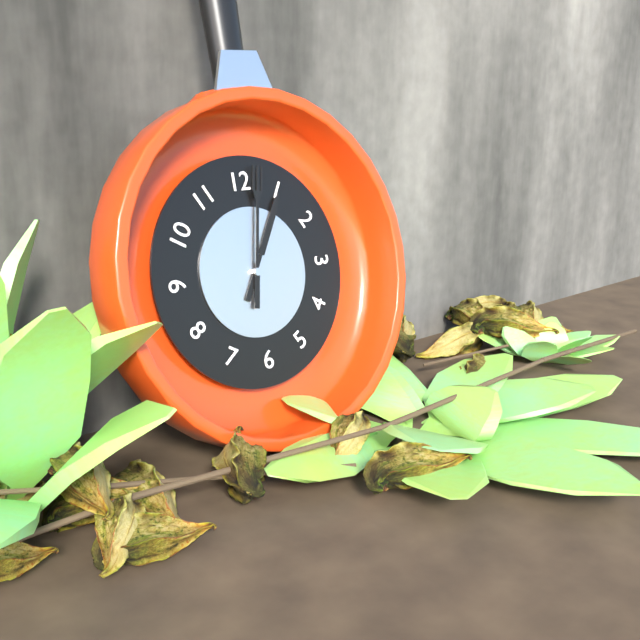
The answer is 1:02
